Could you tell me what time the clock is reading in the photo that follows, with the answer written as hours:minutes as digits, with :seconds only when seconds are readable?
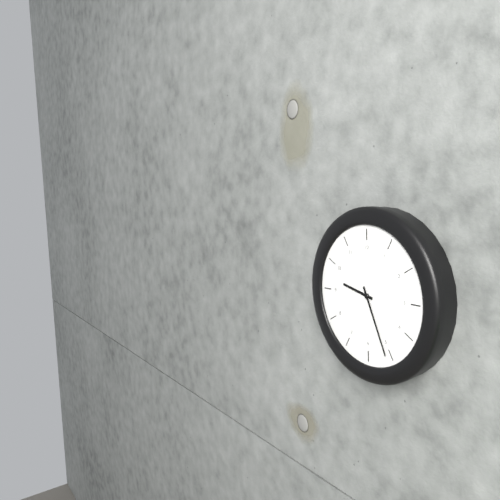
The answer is 9:26
